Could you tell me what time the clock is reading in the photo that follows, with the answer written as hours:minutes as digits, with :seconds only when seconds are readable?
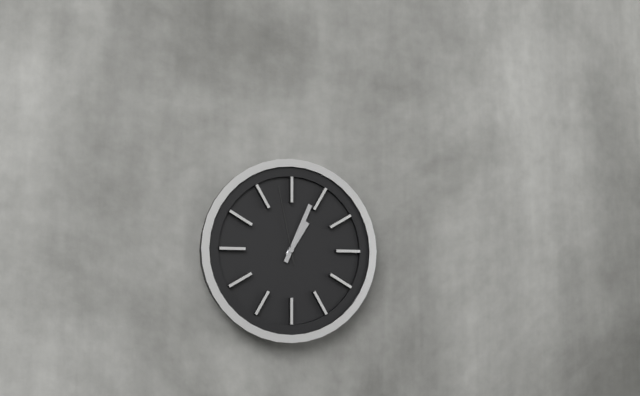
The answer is 1:04:58
